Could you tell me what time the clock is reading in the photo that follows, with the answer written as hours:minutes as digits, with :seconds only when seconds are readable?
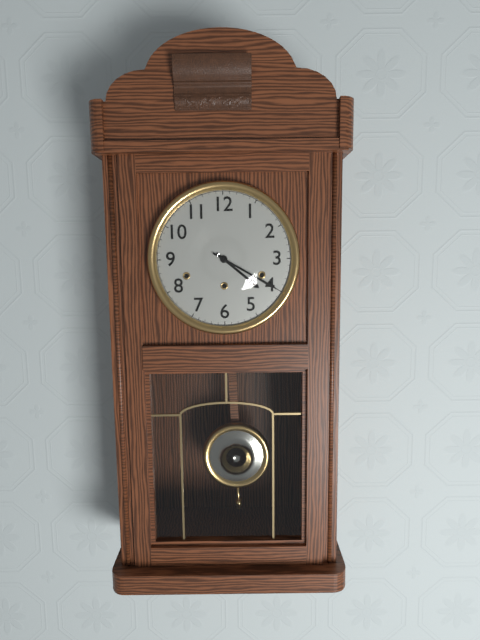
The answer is 4:20
